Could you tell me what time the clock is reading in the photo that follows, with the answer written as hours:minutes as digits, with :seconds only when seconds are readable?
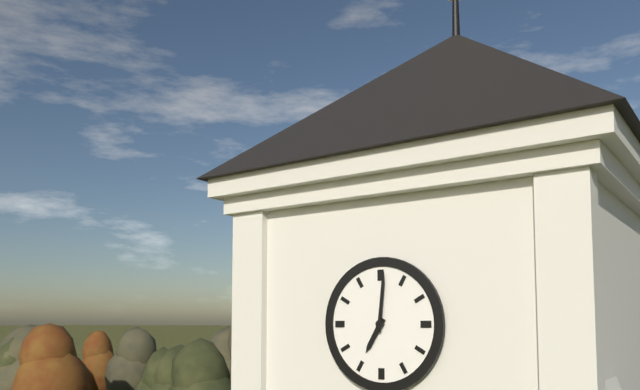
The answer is 7:01
